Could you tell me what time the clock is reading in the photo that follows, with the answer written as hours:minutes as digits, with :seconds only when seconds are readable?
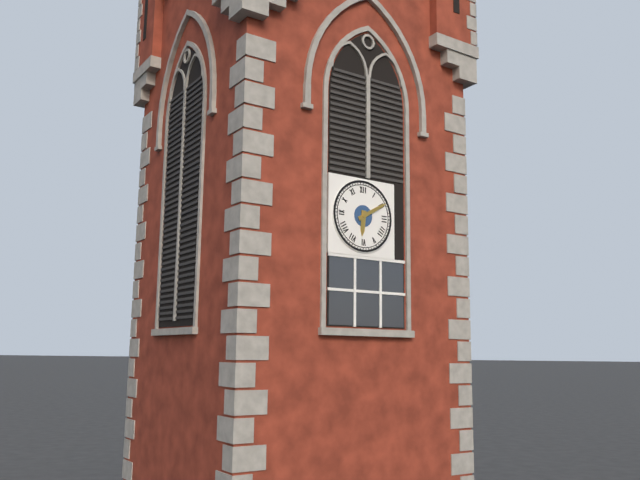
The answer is 6:10
